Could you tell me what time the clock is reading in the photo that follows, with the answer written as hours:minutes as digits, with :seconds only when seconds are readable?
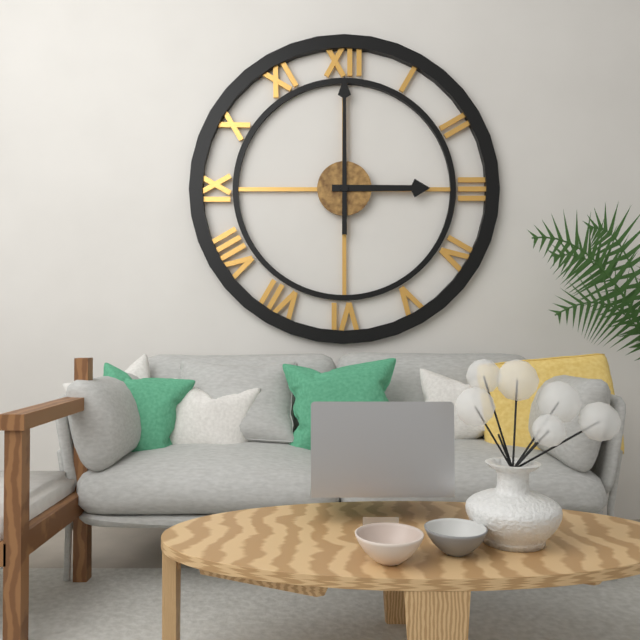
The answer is 3:00
